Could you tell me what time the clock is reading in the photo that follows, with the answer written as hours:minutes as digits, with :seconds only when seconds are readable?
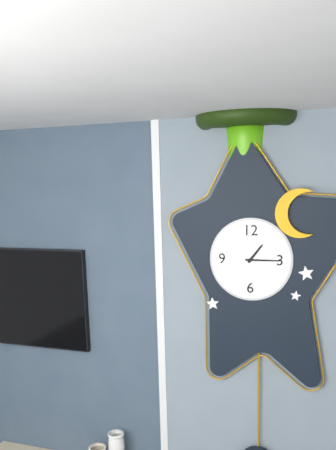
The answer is 1:15
